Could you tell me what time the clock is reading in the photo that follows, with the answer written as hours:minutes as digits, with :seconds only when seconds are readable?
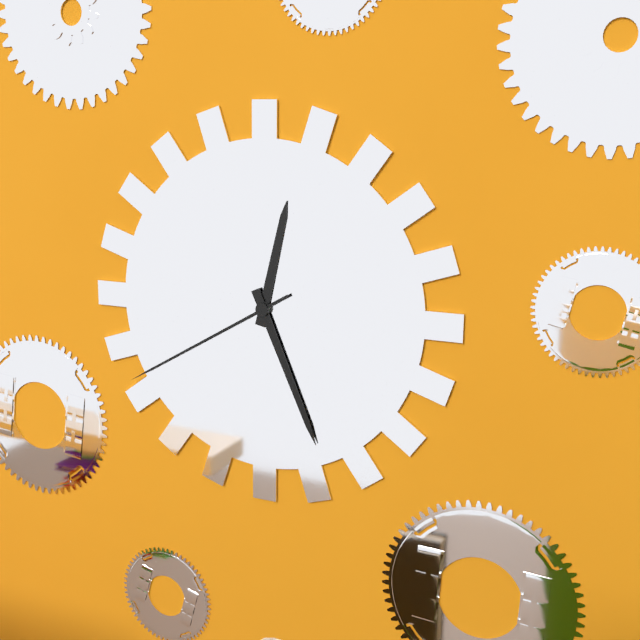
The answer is 12:26:40
